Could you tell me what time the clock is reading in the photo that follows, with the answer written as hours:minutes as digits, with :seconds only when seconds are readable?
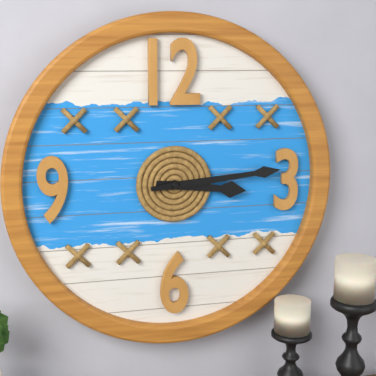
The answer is 3:14
